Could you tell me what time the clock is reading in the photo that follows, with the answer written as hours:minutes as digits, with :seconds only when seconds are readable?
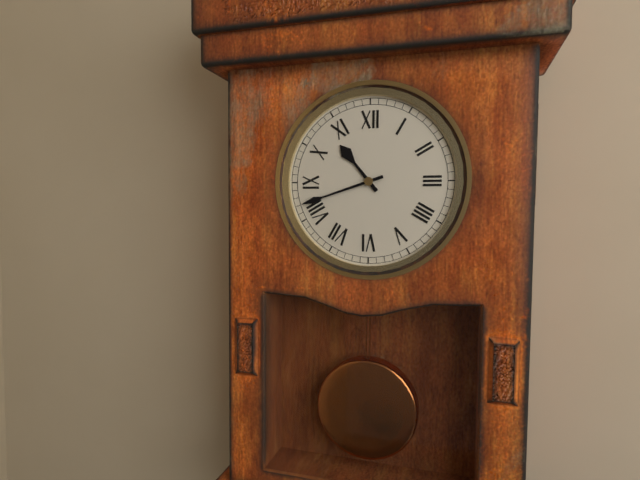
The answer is 10:42
